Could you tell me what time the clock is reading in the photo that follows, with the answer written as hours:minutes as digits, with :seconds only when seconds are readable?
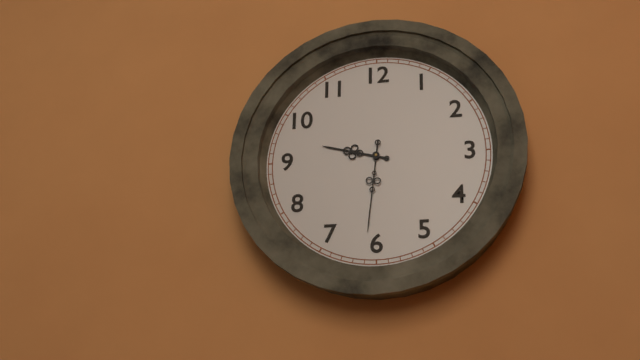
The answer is 9:31
